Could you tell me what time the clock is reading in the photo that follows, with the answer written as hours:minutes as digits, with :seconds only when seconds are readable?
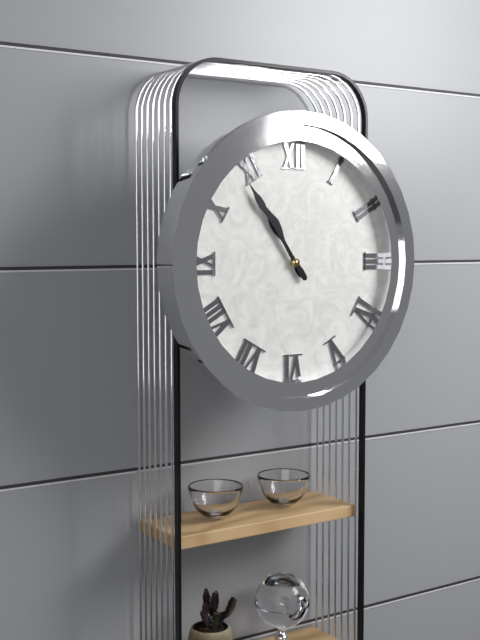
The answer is 10:54
